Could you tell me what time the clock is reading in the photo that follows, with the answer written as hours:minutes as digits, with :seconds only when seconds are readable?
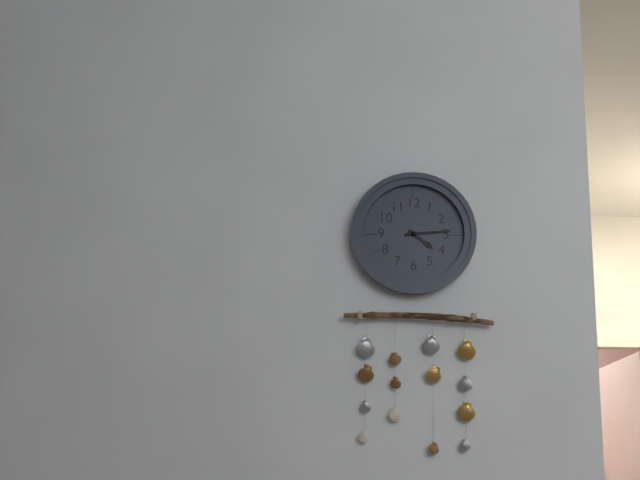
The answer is 4:14
